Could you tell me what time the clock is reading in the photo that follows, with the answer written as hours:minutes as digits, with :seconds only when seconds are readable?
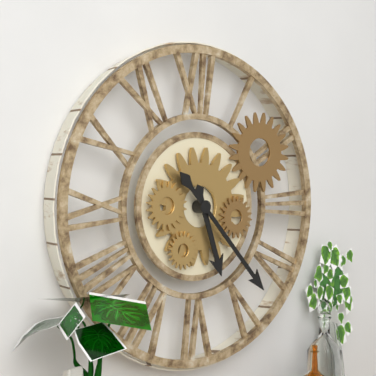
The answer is 5:23
